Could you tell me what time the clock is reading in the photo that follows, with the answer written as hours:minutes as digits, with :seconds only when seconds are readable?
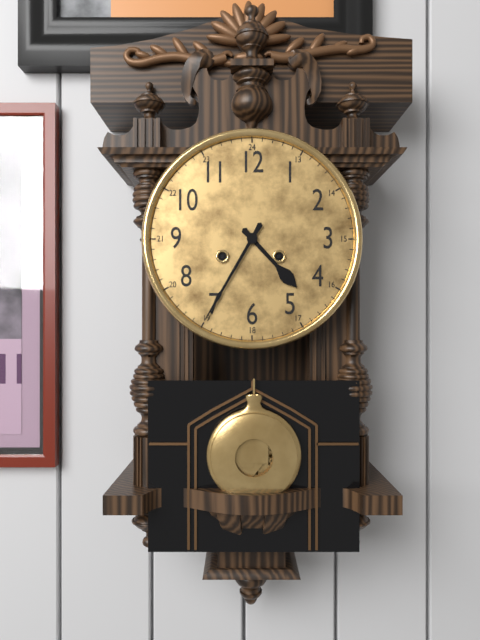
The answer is 4:35
